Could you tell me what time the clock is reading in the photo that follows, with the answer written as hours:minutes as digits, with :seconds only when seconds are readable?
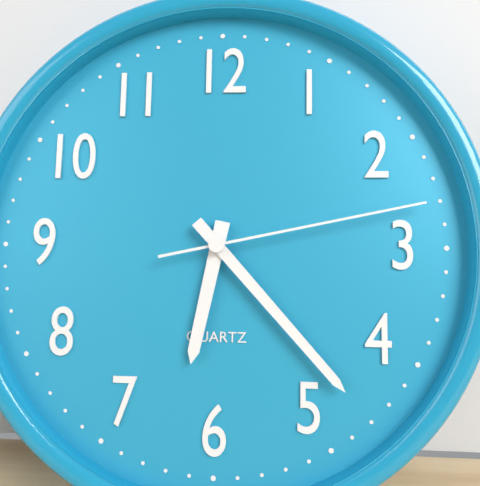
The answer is 6:23:13
